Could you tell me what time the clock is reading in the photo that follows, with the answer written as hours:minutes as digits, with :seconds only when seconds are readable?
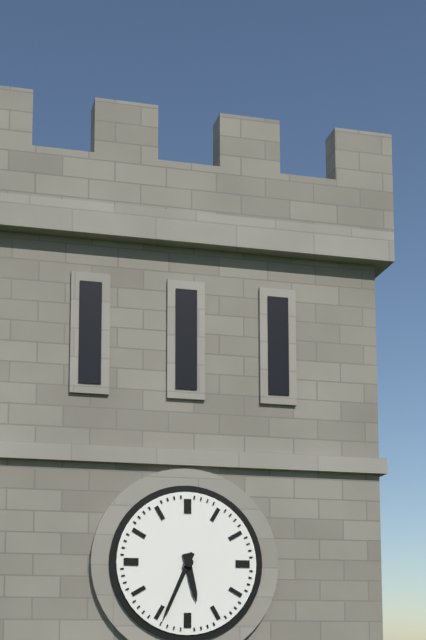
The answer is 5:34
